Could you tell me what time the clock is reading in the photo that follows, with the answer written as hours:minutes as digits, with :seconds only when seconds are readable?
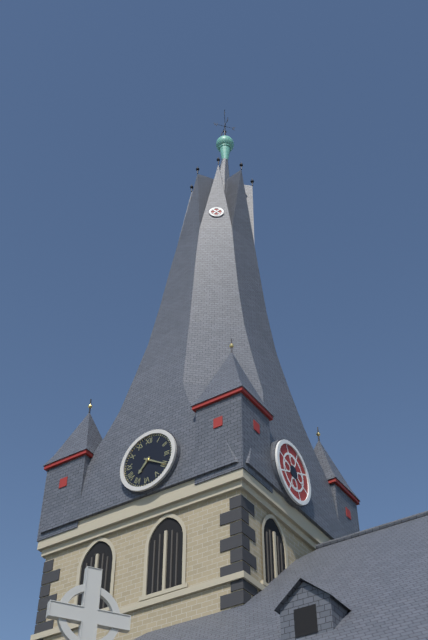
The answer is 7:20
